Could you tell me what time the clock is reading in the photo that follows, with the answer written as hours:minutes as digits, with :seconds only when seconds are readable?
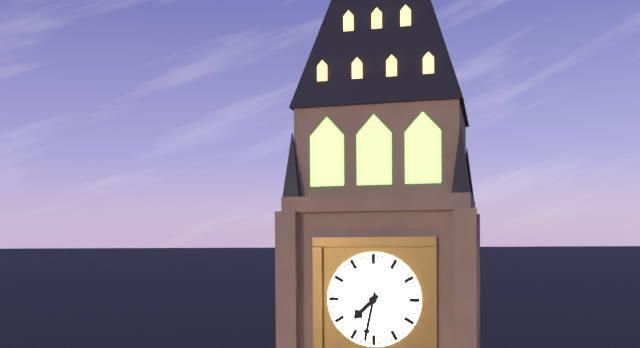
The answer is 7:32
